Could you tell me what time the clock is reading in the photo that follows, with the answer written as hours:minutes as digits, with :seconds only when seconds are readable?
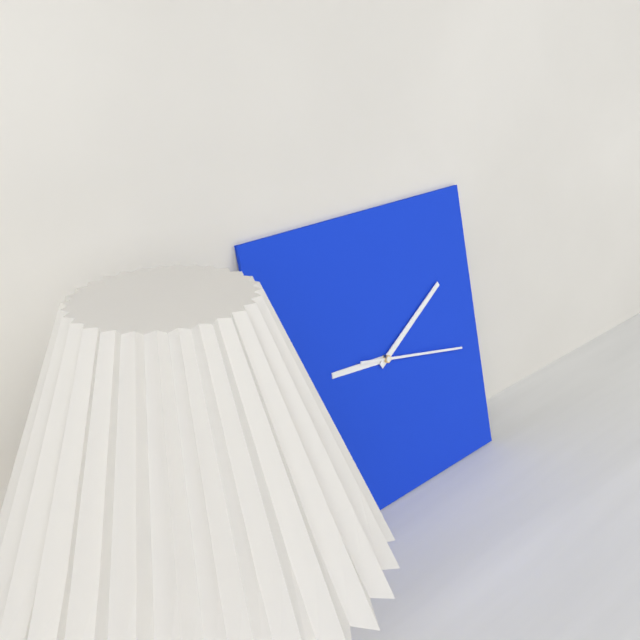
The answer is 9:10:17
